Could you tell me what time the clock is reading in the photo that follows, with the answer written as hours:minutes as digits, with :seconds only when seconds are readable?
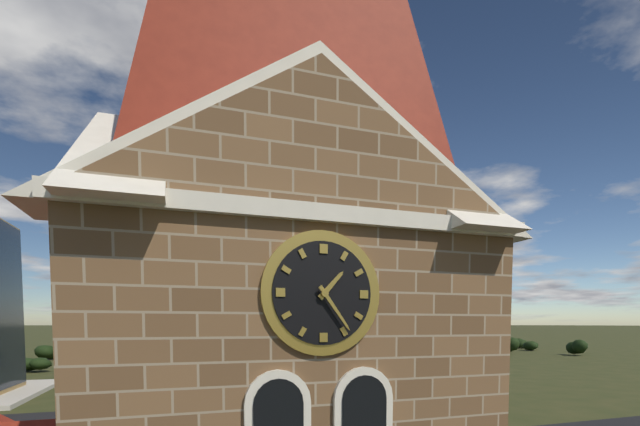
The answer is 1:24
